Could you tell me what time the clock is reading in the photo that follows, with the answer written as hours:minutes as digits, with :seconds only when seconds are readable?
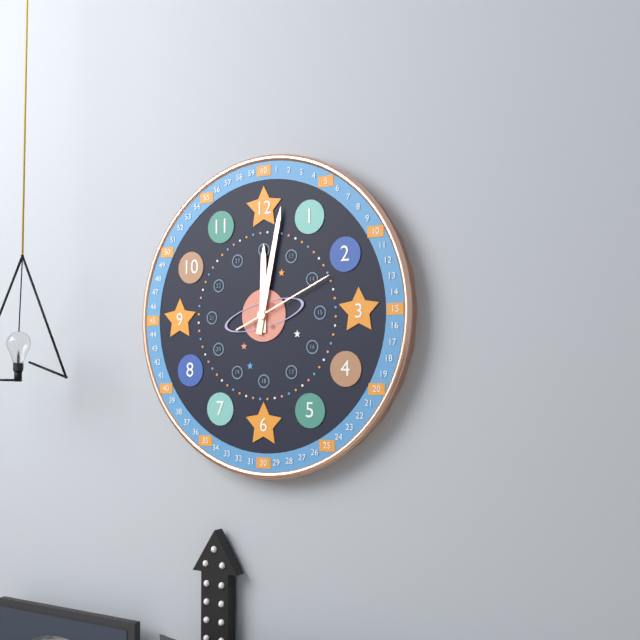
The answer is 12:02:11
